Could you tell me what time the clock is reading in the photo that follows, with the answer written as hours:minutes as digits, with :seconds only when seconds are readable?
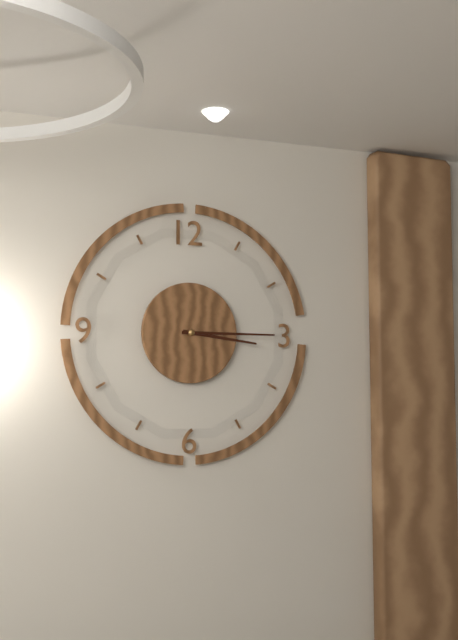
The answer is 3:15
